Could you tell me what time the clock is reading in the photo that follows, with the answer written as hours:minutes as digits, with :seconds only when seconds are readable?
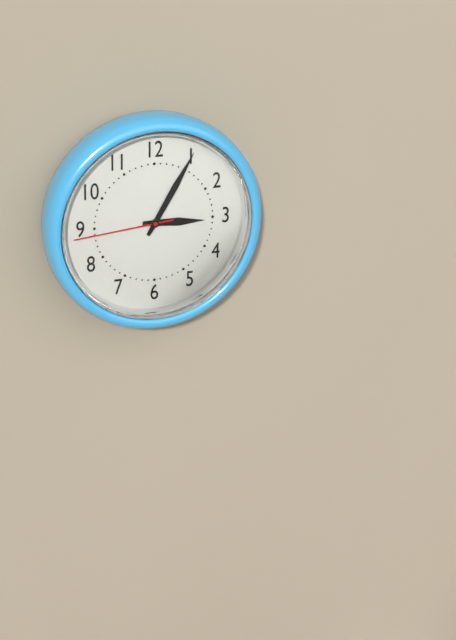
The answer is 3:05:44
